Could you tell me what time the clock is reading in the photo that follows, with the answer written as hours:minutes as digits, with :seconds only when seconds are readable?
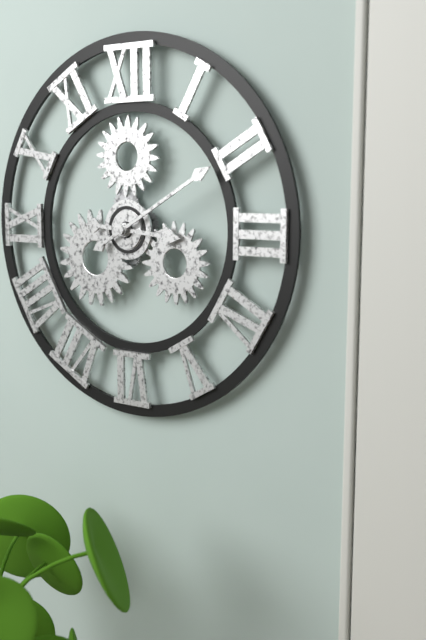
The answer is 3:10
